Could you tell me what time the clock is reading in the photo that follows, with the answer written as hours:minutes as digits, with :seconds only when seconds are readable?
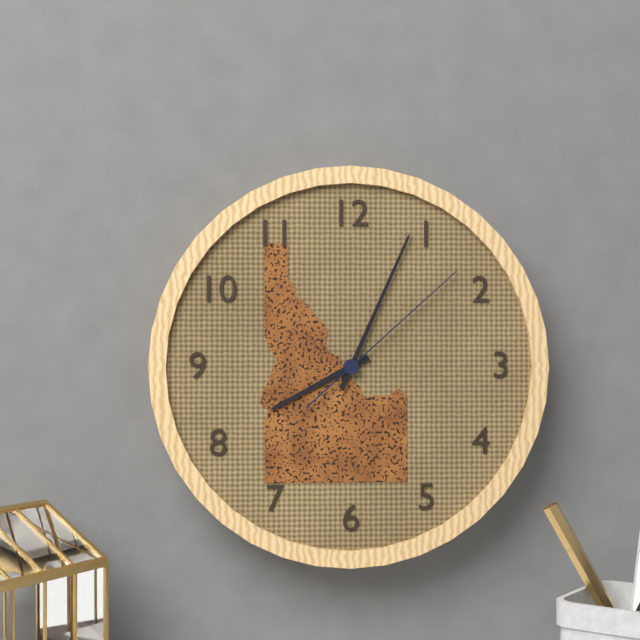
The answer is 8:04:08
